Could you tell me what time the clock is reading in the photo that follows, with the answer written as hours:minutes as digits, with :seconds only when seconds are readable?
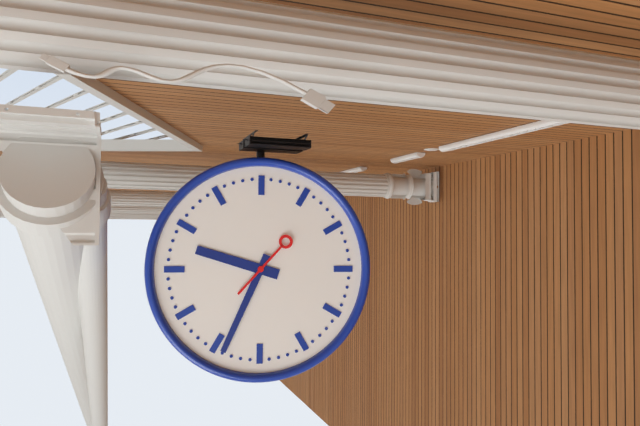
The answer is 9:34:07
